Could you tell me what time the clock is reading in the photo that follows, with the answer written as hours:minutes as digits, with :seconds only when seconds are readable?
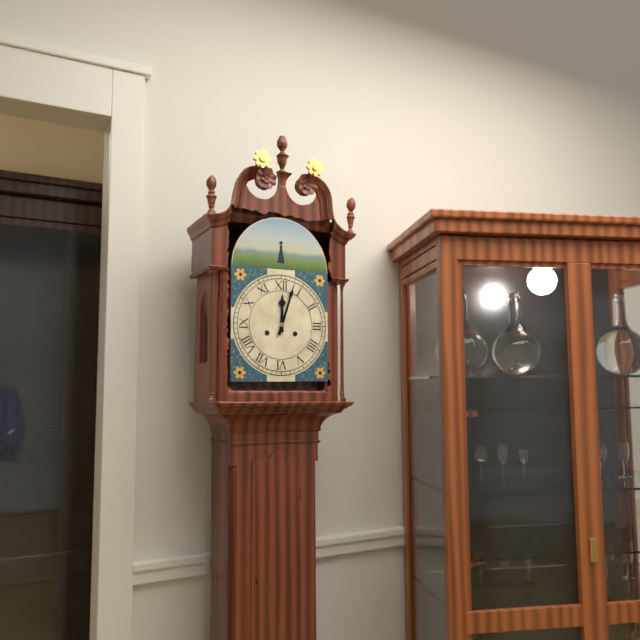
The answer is 12:03
